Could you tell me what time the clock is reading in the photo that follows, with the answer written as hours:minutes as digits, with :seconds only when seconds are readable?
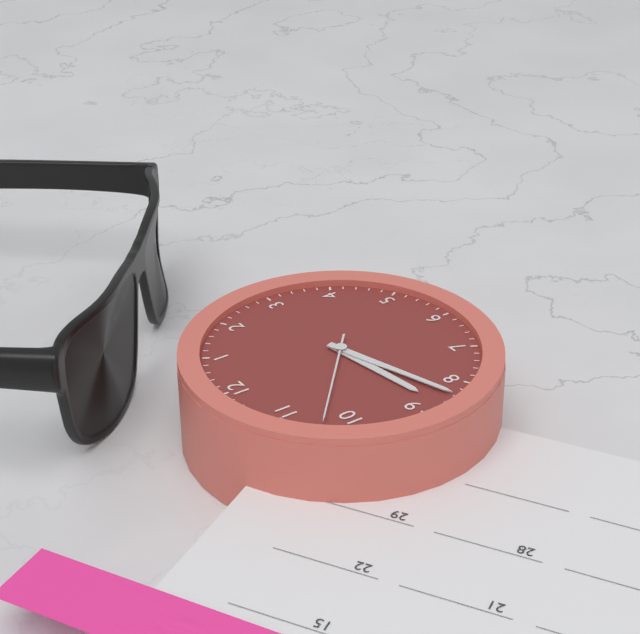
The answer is 8:42:52
